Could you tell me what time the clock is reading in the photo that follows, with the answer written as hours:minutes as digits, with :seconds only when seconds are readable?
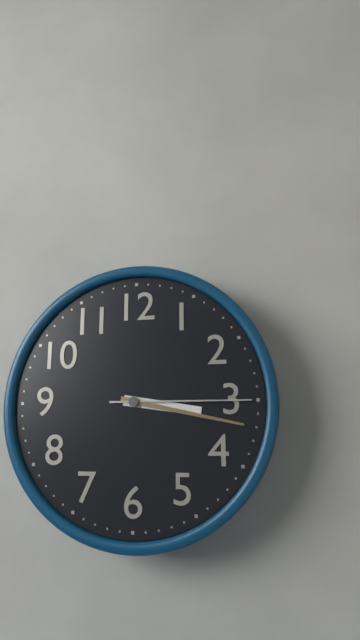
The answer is 3:17:15
